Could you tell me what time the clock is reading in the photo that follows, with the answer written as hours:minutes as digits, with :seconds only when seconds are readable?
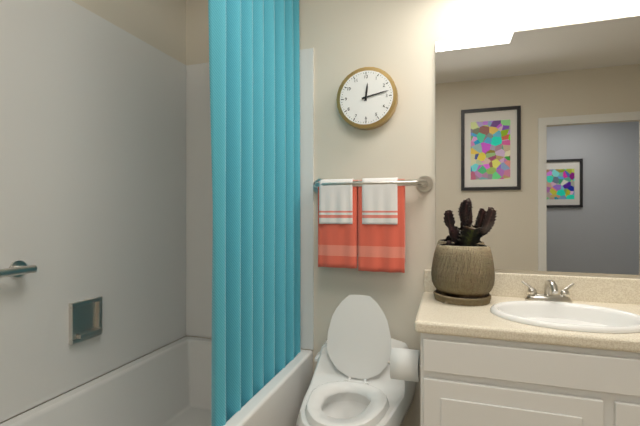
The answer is 12:13
